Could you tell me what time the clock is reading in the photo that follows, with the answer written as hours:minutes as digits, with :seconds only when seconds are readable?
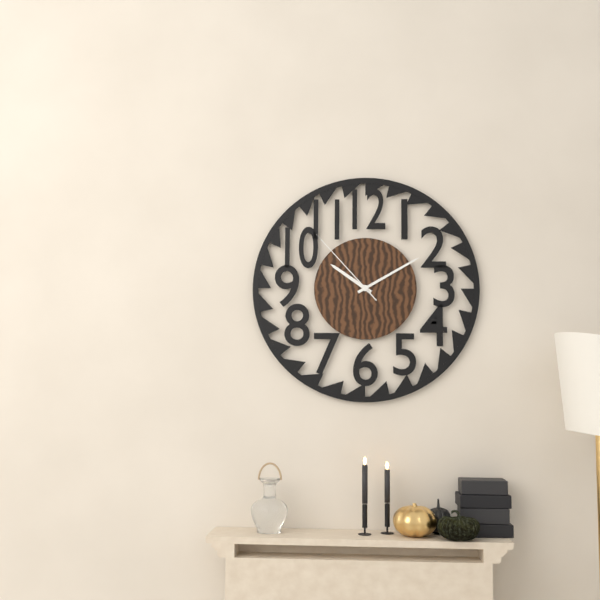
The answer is 10:10:53
